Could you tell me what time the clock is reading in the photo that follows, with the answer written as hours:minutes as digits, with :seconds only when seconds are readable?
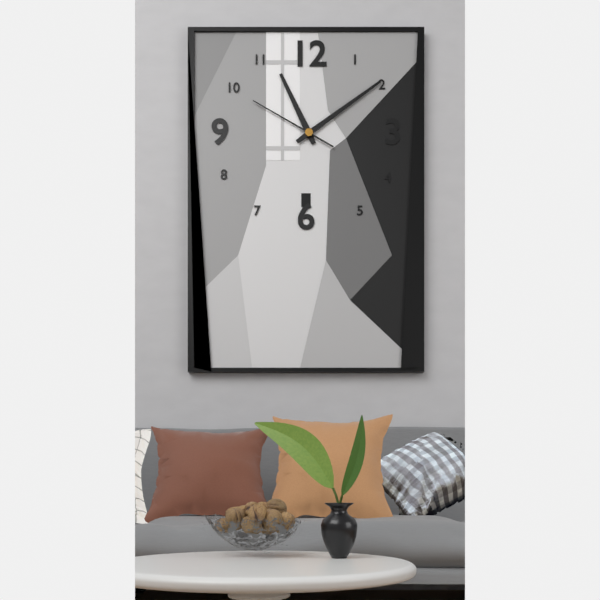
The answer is 11:09:50
